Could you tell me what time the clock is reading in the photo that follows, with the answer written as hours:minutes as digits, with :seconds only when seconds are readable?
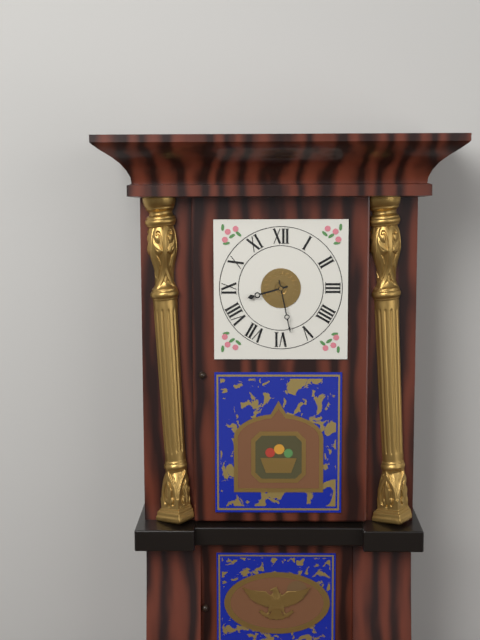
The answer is 8:28
